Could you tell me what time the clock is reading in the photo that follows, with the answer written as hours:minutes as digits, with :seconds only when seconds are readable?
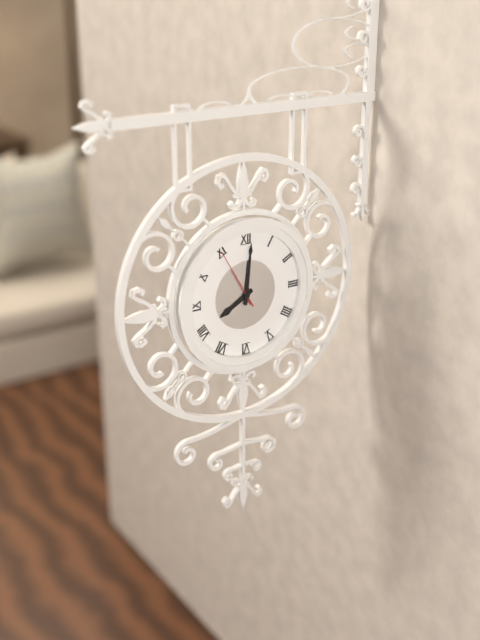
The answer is 8:01:55
